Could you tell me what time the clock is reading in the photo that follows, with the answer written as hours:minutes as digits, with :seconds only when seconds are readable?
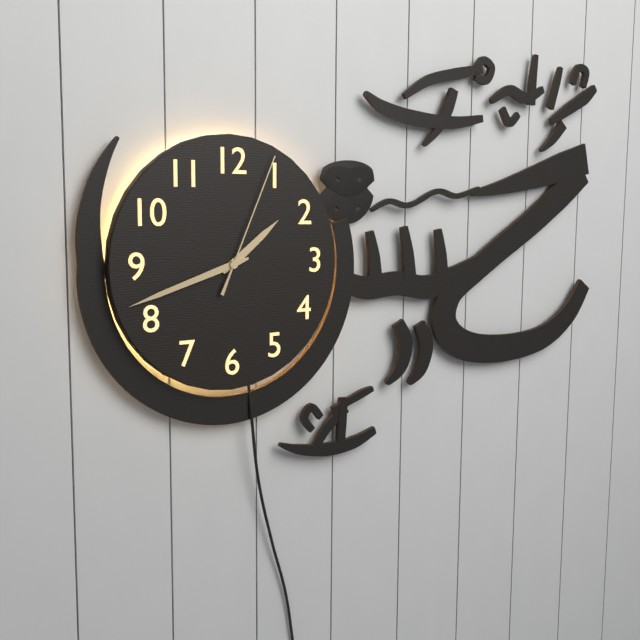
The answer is 1:42:04
